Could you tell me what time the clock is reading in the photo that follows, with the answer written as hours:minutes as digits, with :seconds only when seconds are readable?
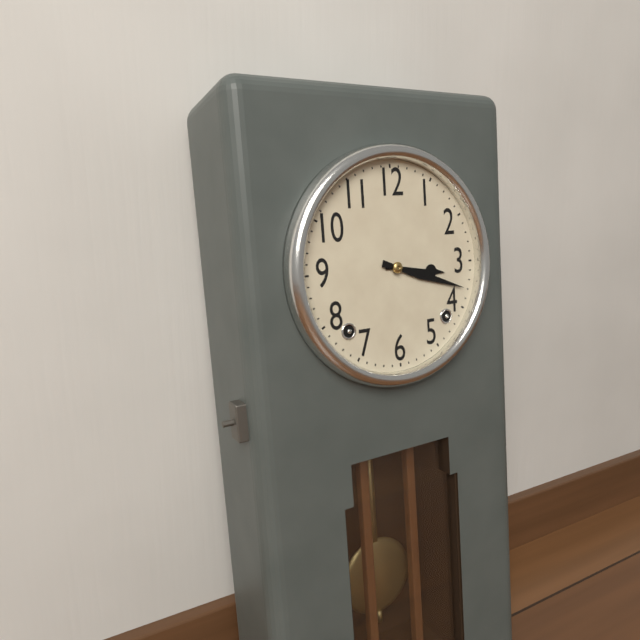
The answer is 3:18
